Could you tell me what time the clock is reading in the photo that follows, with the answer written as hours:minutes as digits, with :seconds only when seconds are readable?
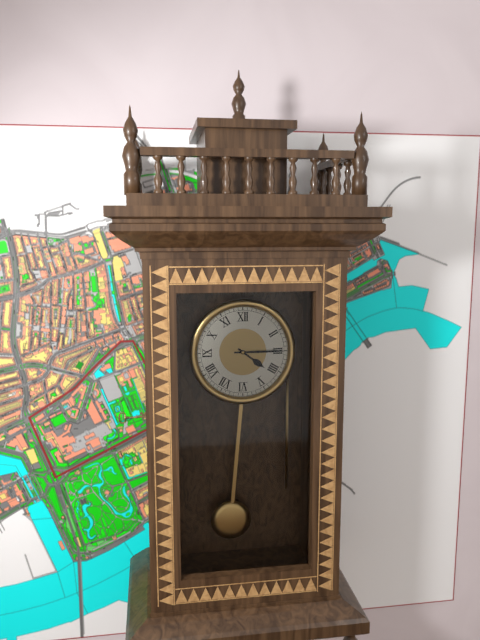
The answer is 4:15
